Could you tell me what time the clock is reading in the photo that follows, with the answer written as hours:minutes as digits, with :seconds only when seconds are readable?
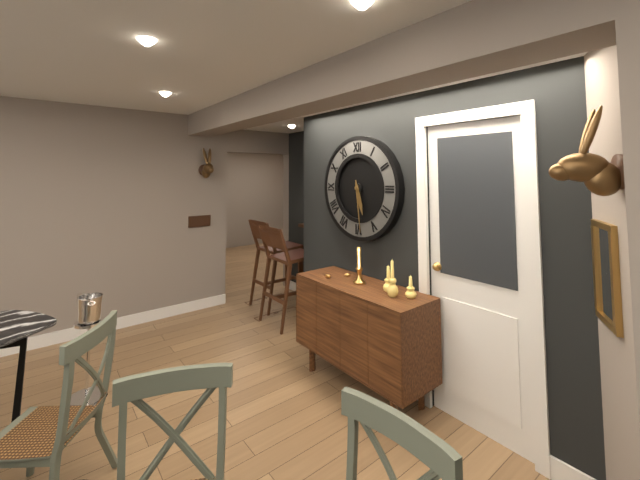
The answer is 5:29
